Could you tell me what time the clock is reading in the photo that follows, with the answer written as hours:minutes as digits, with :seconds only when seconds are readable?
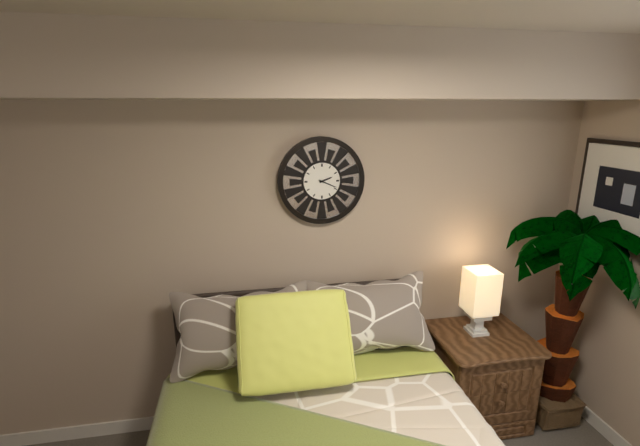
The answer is 2:19
